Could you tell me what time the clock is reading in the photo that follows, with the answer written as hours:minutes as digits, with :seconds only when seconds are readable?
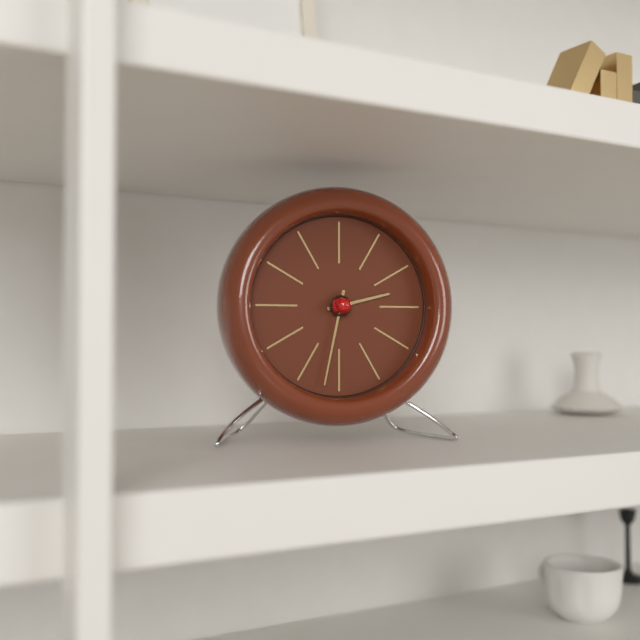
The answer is 2:32
